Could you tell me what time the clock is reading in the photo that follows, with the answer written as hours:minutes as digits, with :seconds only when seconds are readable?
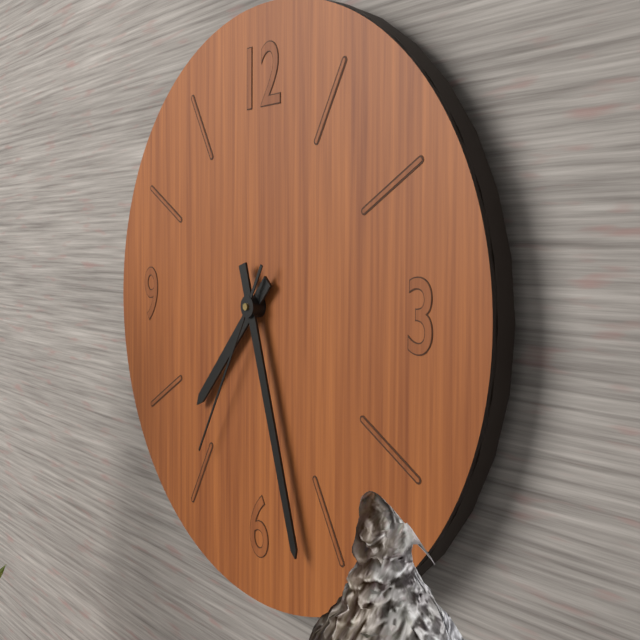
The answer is 7:27:35
